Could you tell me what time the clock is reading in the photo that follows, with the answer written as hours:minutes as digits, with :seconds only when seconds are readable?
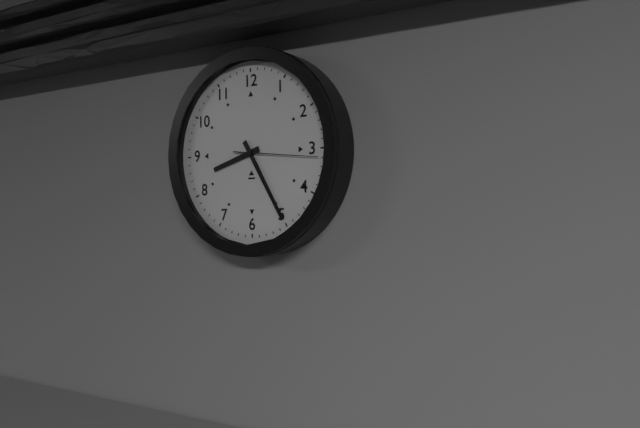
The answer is 8:25:16
